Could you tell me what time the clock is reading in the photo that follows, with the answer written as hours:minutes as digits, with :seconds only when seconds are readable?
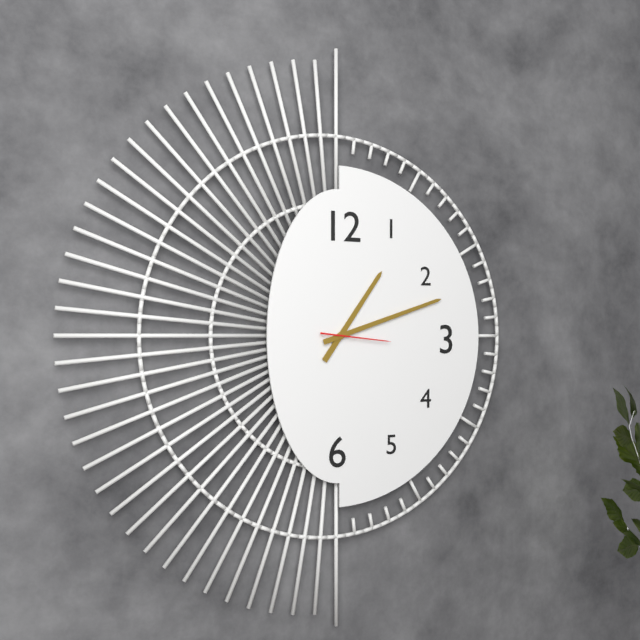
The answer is 1:12:16
